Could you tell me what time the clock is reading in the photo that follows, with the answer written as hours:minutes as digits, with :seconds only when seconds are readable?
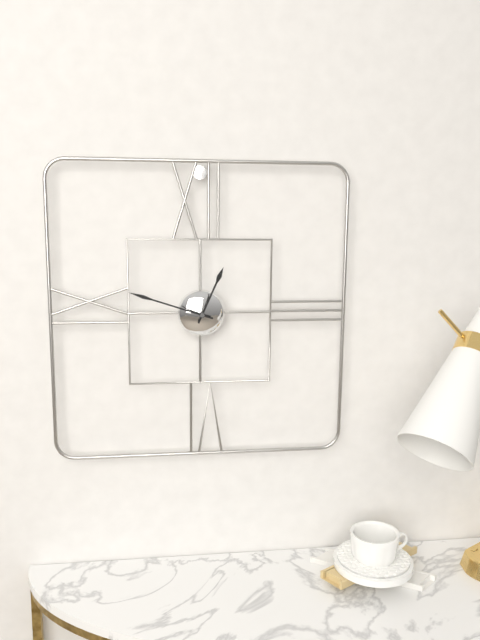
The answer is 12:48
